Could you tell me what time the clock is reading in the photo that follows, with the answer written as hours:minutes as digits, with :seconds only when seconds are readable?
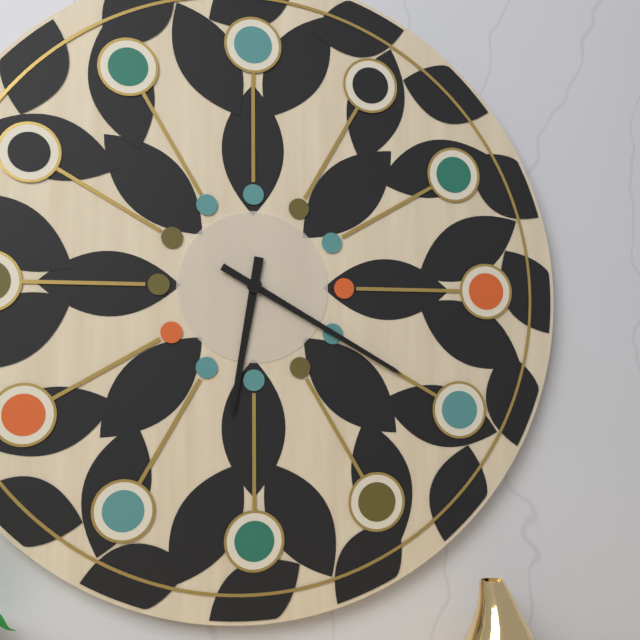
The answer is 6:20
